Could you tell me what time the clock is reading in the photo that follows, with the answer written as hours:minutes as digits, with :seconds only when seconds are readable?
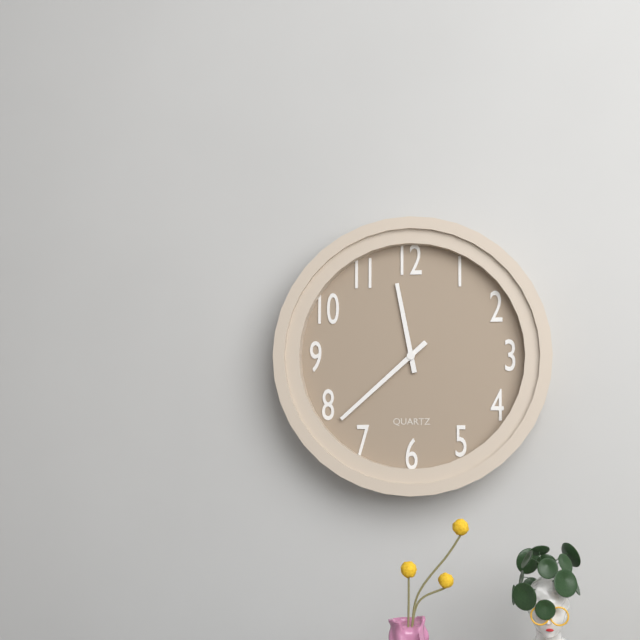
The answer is 11:38
